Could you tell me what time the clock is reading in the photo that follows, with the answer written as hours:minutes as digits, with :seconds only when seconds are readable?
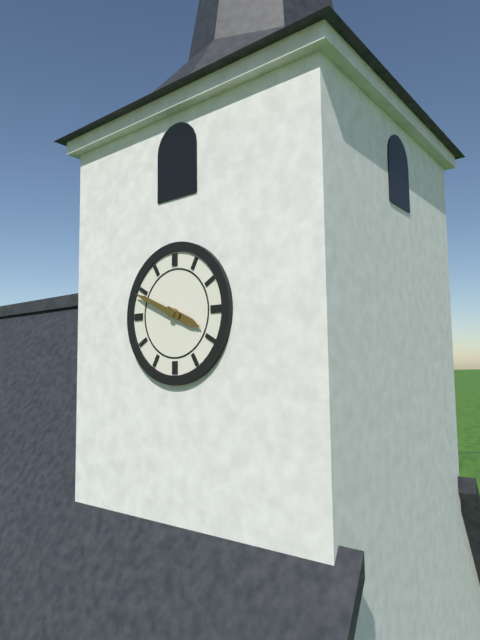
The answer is 3:49
